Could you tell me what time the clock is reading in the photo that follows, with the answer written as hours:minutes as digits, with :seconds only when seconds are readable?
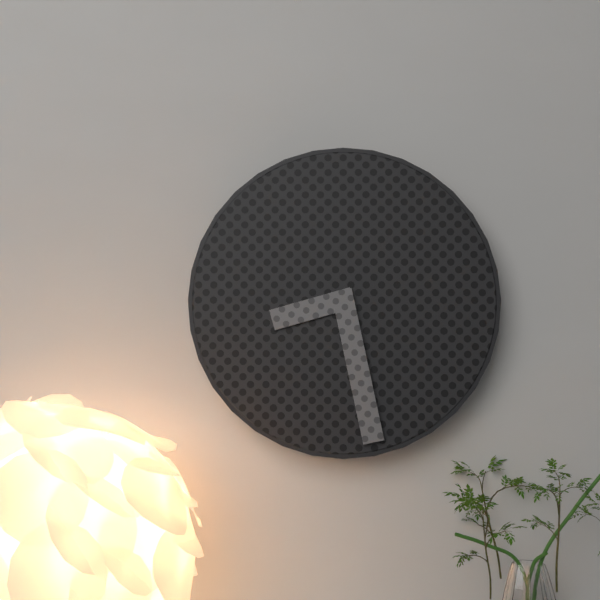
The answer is 8:28
